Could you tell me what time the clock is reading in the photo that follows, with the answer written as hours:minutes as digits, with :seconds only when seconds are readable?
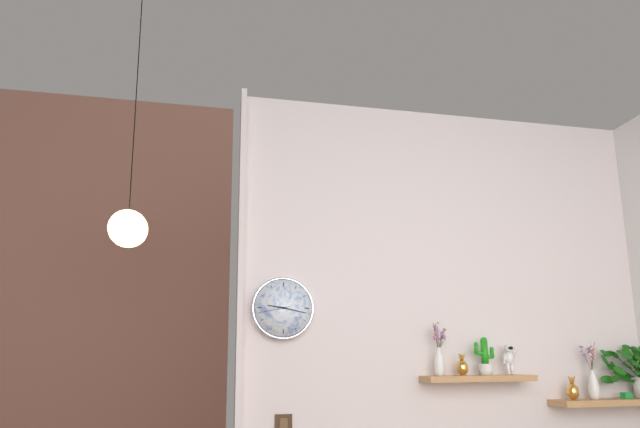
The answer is 9:17
